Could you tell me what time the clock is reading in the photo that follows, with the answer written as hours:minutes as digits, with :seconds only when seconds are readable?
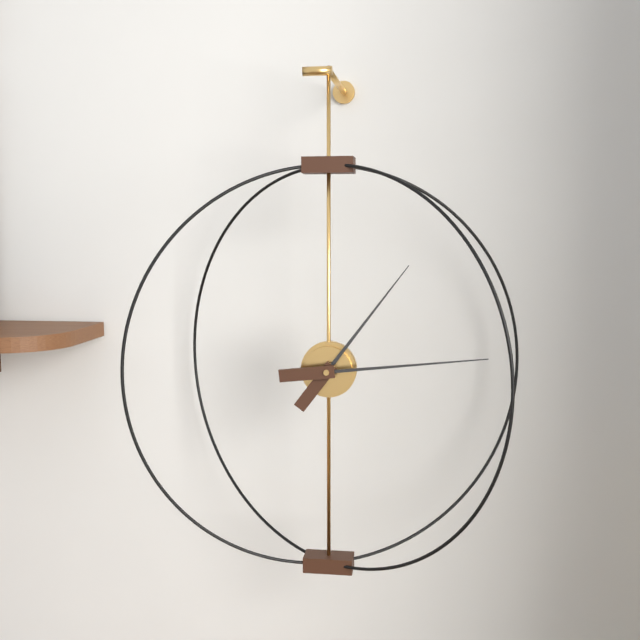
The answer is 1:14
